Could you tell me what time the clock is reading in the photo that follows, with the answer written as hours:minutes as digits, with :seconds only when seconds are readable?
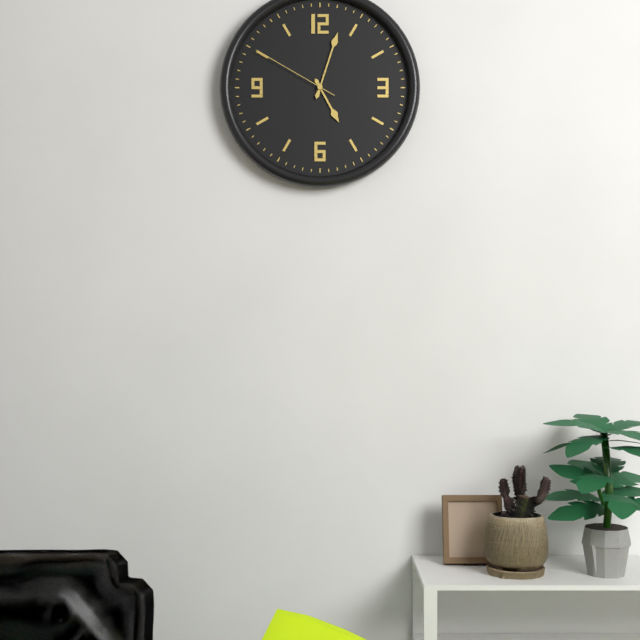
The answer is 5:03:50
